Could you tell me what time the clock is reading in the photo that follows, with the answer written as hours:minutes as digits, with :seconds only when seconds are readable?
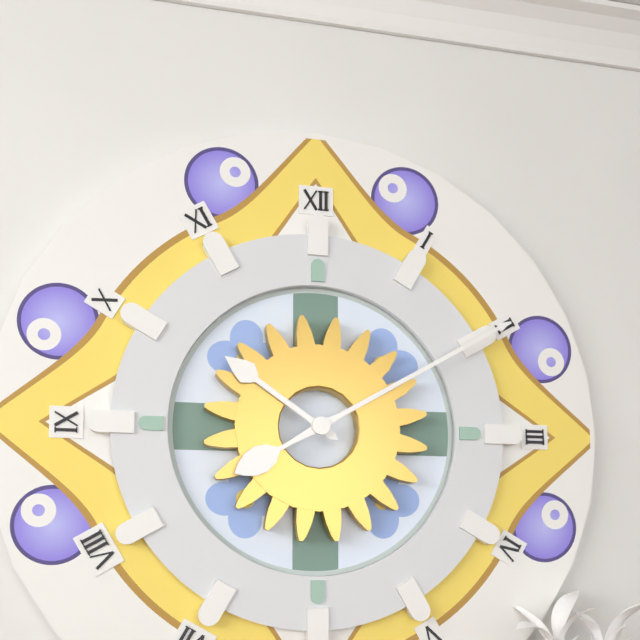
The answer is 10:10
